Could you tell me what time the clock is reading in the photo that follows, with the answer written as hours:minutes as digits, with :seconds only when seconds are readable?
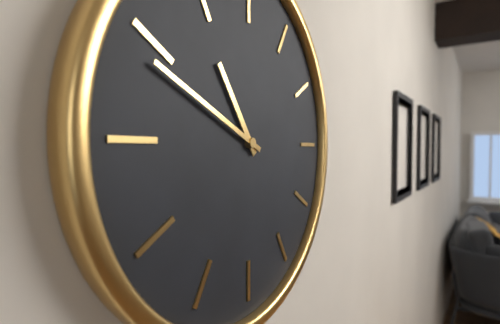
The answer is 10:49
